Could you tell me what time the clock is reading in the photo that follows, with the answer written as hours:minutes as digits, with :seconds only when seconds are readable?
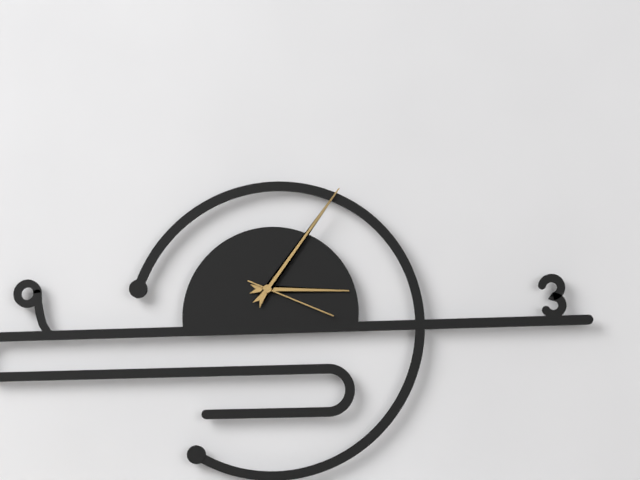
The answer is 3:06:19
